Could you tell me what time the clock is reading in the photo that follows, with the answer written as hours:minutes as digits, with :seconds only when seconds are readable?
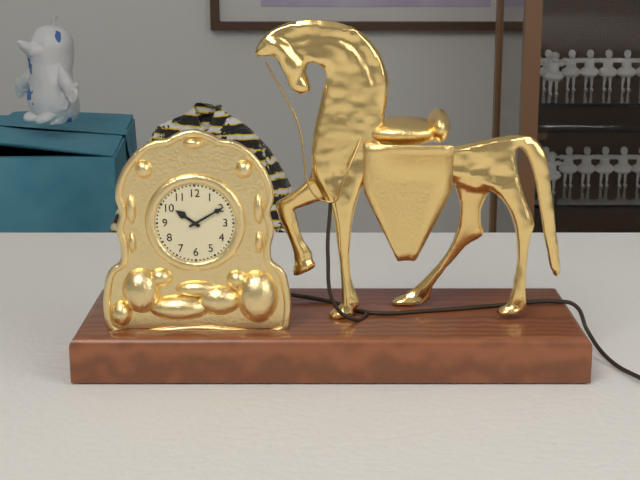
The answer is 10:10
